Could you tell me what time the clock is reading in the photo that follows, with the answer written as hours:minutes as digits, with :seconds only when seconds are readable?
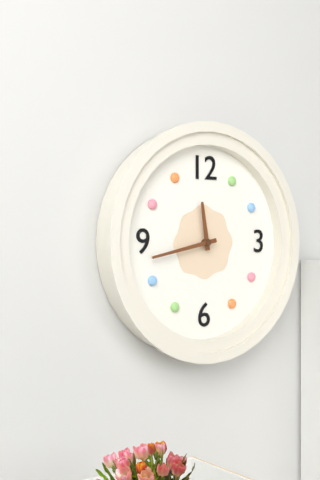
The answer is 11:43
